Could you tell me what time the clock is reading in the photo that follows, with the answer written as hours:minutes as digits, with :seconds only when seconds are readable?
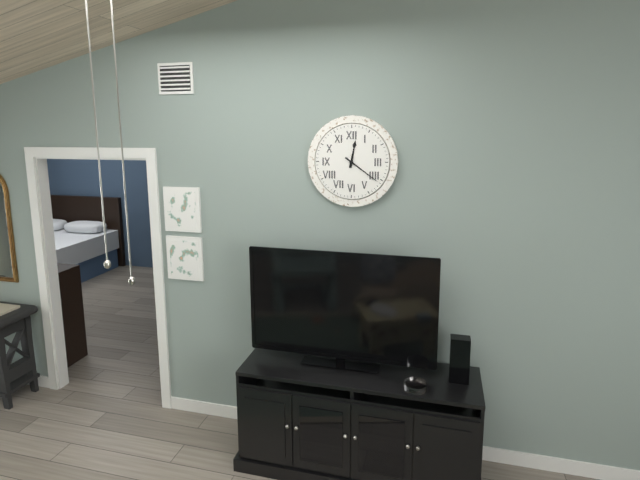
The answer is 12:21
